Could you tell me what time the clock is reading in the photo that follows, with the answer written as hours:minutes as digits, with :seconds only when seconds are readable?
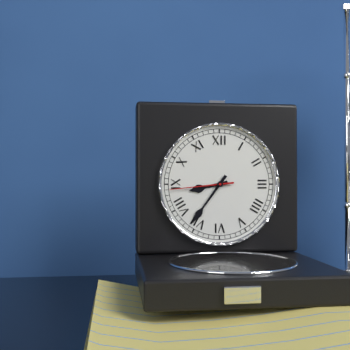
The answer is 8:36:44
